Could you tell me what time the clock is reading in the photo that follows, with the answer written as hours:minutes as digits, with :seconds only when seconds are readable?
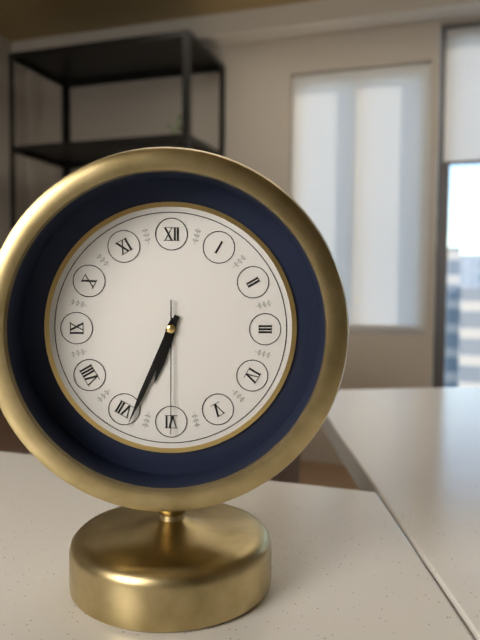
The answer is 6:34:30
